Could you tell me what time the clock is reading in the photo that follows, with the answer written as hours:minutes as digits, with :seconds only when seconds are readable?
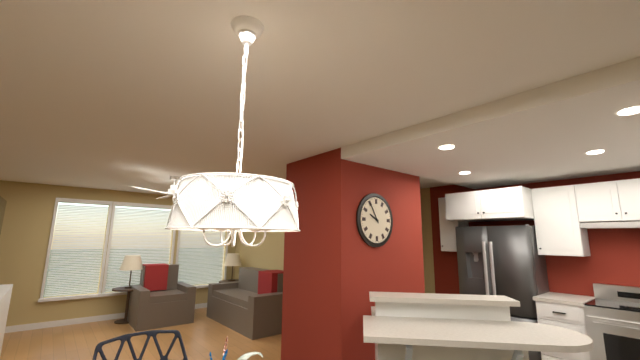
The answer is 9:55
